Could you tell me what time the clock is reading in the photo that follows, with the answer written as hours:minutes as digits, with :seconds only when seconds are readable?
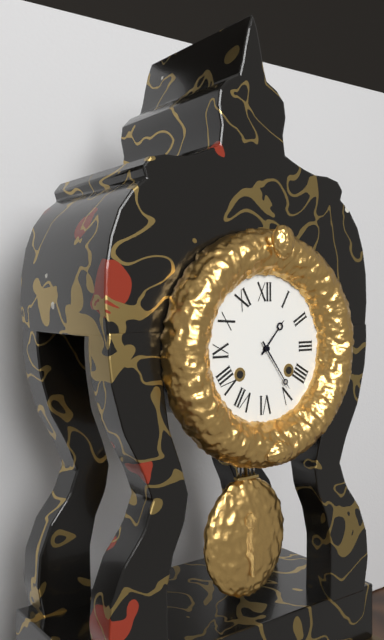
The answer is 1:24
